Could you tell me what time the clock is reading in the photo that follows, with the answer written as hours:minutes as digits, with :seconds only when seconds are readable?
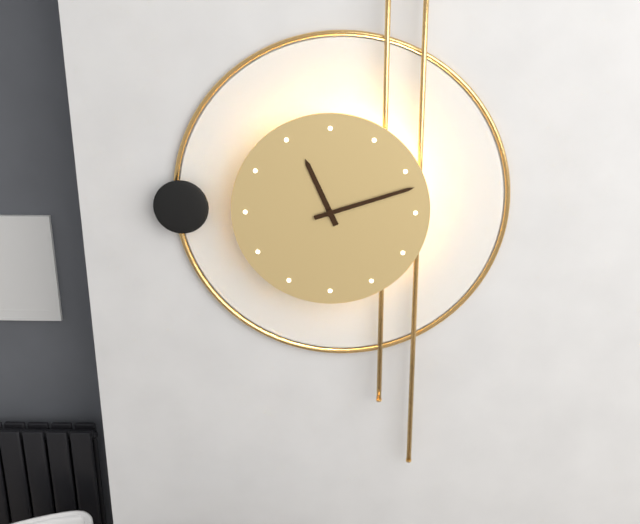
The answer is 11:12
